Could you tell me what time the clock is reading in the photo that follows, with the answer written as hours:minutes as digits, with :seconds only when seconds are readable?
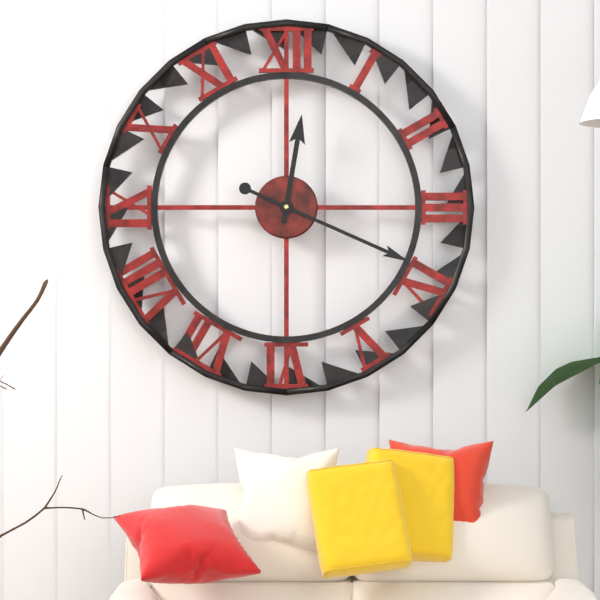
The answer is 12:19
